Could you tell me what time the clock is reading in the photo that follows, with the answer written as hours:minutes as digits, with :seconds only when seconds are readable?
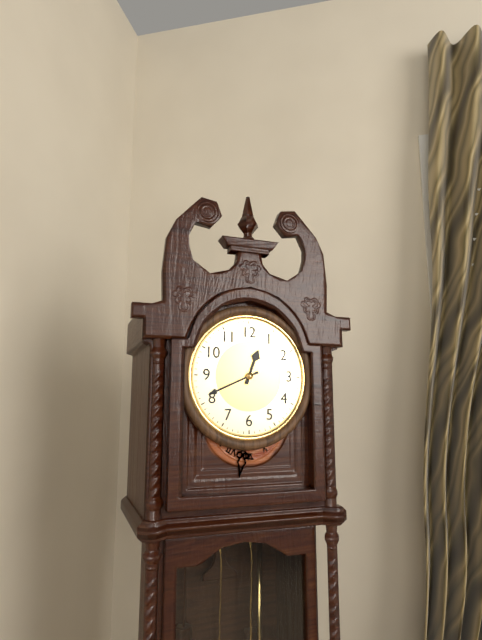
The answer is 12:41
